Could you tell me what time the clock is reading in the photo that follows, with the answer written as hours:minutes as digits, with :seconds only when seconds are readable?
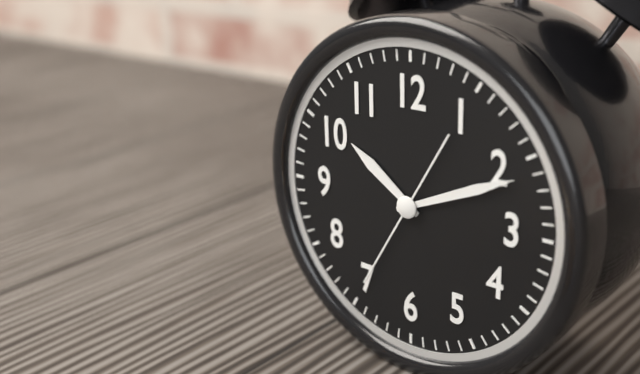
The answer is 10:11:35
